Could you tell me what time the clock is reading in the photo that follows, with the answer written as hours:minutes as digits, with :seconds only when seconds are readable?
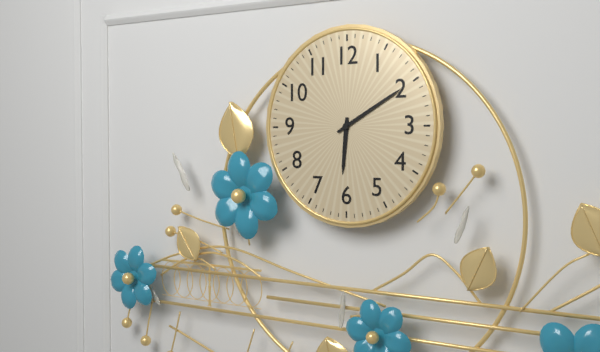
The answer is 6:10
